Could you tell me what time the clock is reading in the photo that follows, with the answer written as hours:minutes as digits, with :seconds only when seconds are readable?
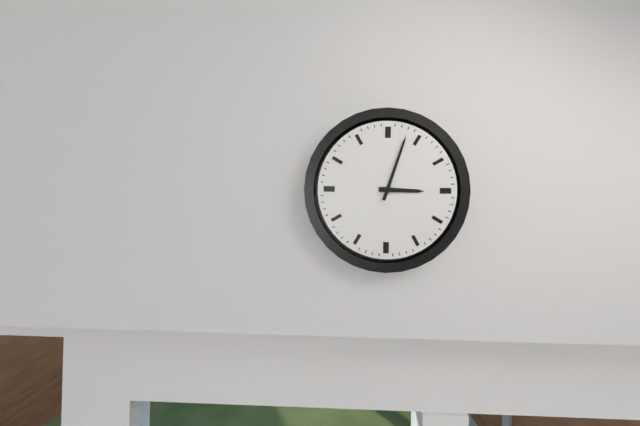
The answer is 3:03
